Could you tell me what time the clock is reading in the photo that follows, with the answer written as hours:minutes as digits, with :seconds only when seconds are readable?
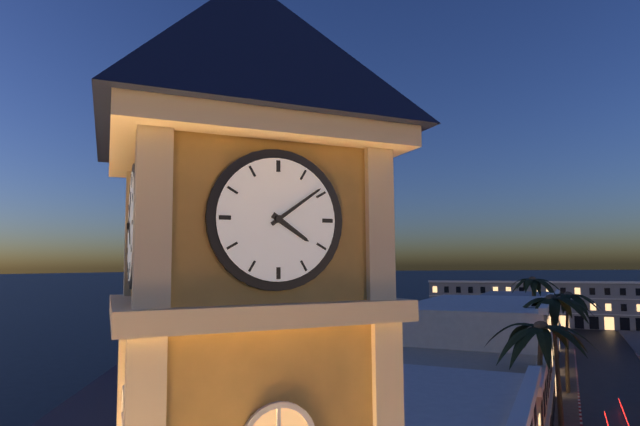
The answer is 4:09
